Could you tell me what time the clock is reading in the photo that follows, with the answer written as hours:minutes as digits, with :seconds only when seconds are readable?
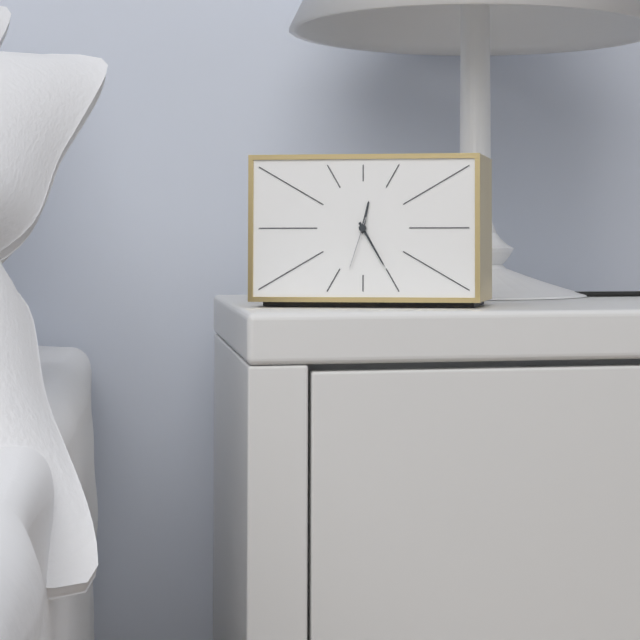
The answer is 12:25:33
